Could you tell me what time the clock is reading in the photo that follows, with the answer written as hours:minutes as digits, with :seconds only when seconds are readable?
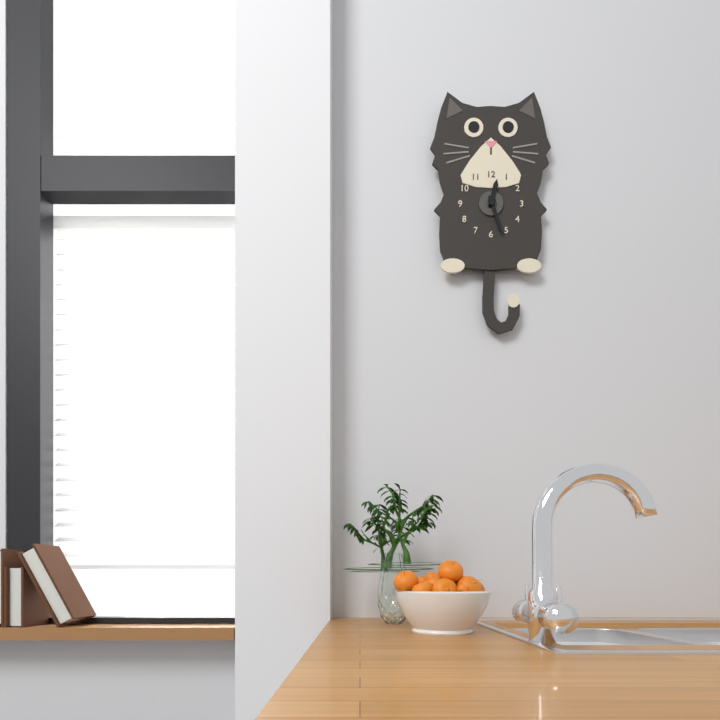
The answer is 12:27
